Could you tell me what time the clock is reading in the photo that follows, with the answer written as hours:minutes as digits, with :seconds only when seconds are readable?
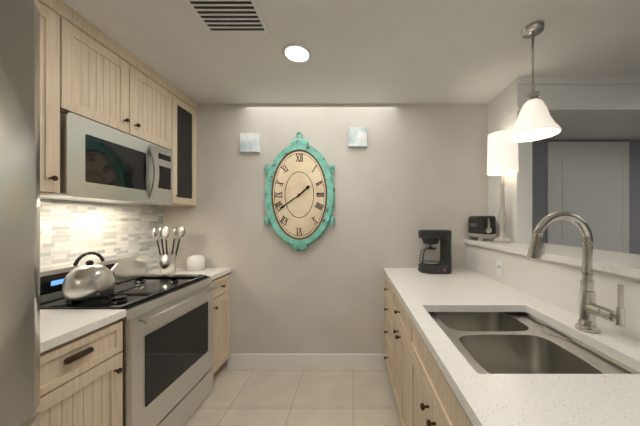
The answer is 1:39
